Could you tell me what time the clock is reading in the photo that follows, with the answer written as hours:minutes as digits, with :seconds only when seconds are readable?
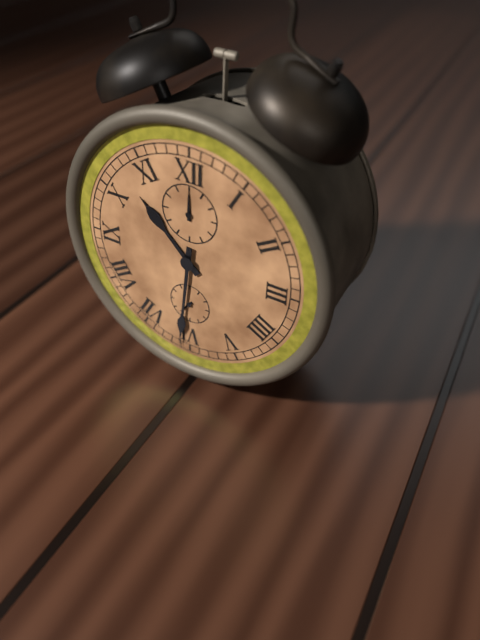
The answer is 10:31
